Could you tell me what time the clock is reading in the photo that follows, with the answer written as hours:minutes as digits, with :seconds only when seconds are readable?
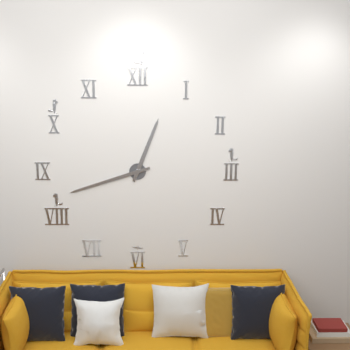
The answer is 12:42
